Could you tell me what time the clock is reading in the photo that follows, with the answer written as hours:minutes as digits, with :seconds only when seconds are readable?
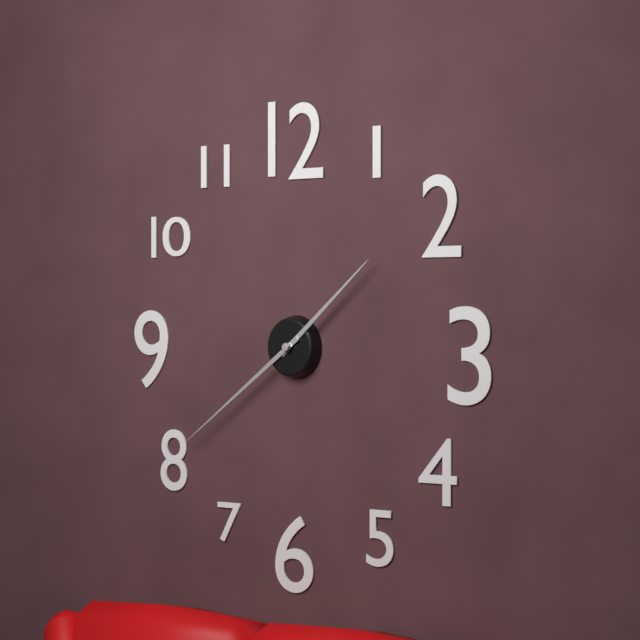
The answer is 1:39
